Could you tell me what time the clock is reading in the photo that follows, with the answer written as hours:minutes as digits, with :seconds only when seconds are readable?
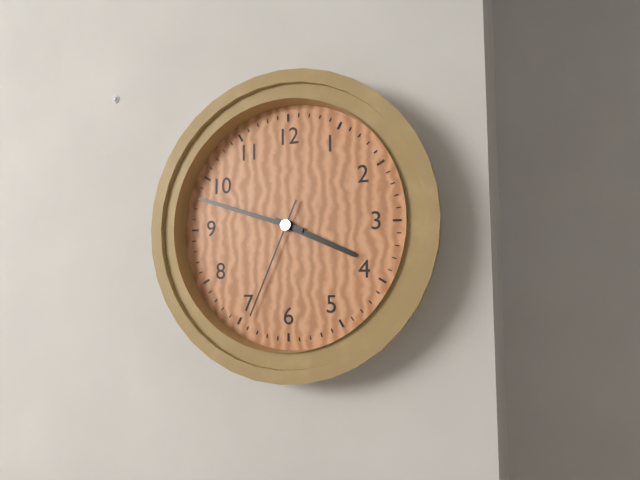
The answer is 3:48:34
